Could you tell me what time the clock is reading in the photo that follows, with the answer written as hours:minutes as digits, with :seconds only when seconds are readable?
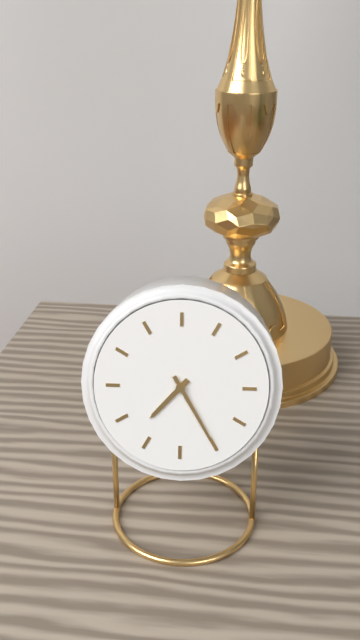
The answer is 7:25
